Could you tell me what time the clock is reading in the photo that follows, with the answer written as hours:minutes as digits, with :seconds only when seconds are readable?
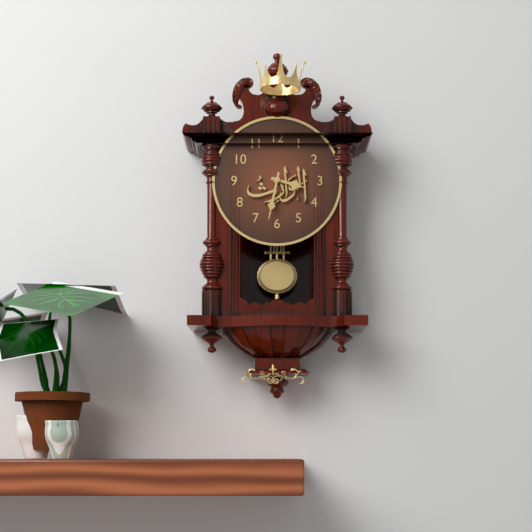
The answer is 3:32
